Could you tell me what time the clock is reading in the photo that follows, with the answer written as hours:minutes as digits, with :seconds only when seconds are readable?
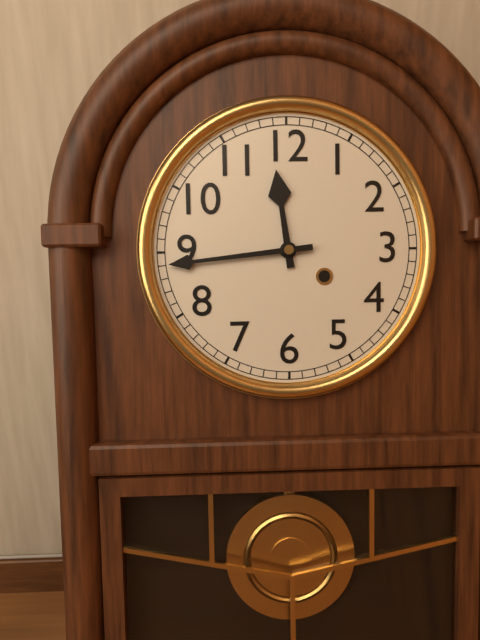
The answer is 11:44
